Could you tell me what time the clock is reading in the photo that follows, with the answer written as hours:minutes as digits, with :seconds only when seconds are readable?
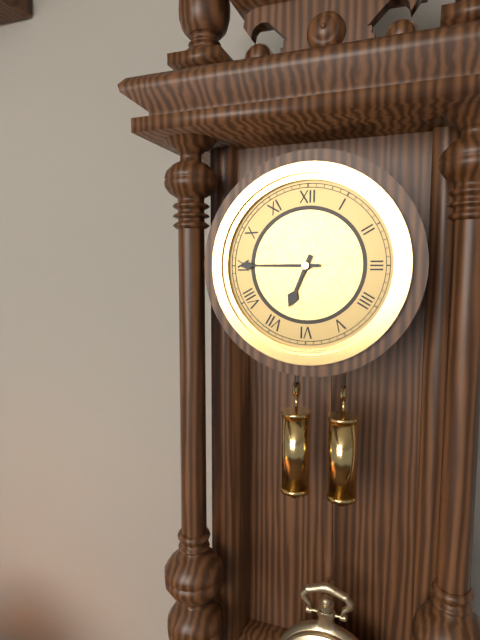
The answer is 6:45
